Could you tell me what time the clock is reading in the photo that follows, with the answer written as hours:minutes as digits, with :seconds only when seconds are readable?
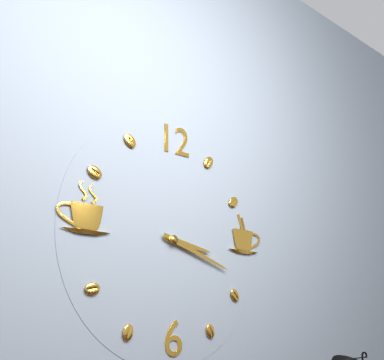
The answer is 3:18
